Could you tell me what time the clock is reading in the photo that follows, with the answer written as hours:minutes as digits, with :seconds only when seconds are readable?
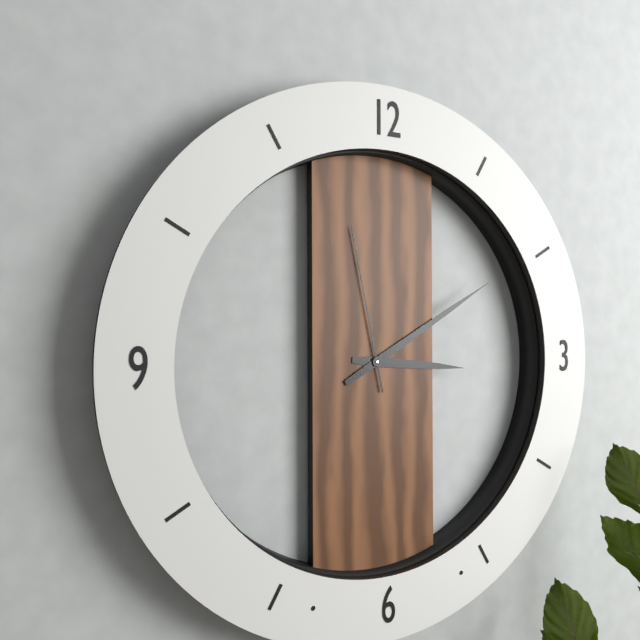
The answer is 3:10:58
